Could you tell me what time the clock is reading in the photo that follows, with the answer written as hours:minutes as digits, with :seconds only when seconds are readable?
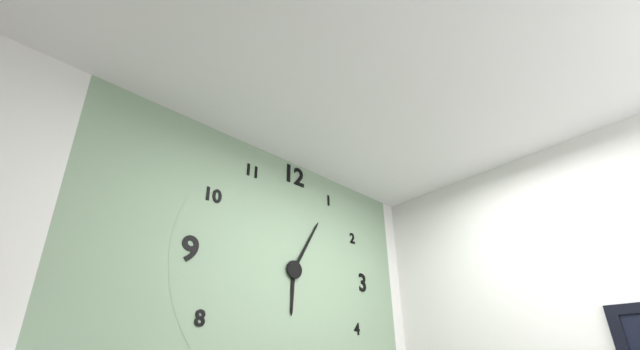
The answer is 6:05
